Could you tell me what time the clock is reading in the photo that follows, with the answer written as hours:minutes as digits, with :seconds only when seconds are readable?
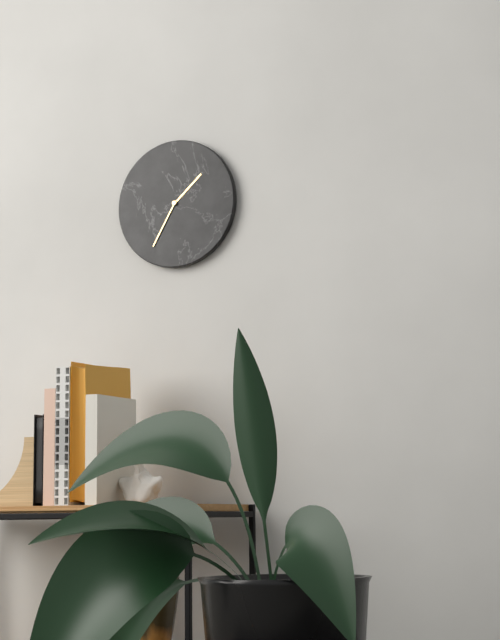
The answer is 1:35
